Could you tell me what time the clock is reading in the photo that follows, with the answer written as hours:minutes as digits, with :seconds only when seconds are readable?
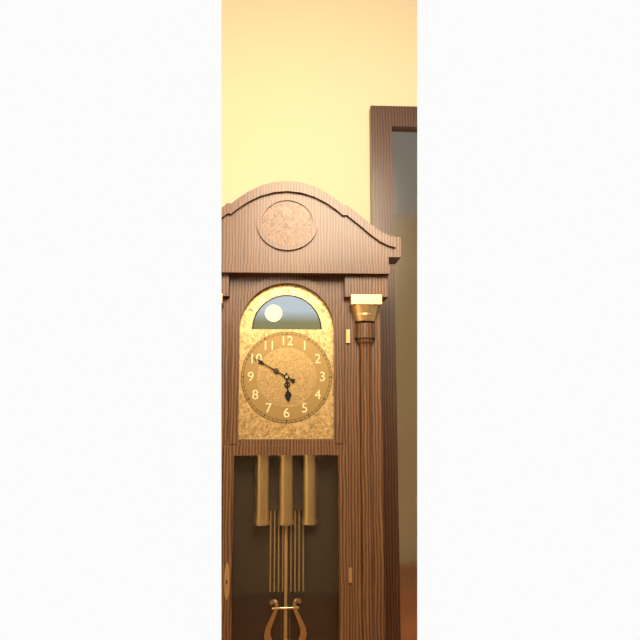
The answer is 5:50
